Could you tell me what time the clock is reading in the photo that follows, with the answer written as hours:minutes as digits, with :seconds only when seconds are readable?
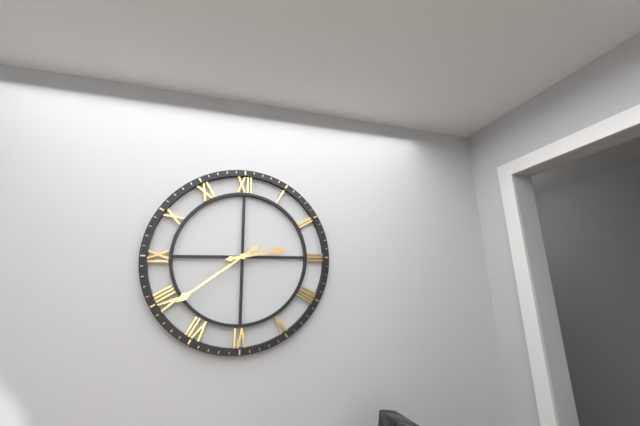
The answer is 2:39
